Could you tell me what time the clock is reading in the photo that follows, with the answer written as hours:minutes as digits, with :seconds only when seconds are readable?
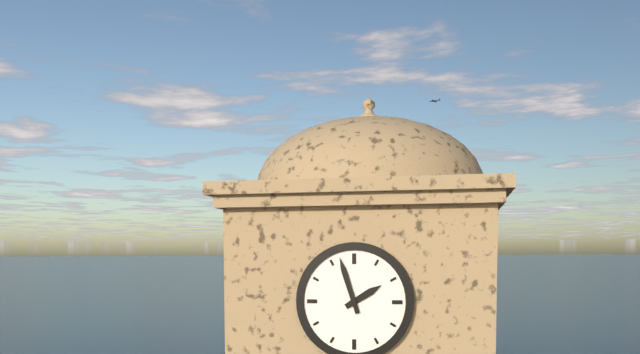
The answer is 1:57
